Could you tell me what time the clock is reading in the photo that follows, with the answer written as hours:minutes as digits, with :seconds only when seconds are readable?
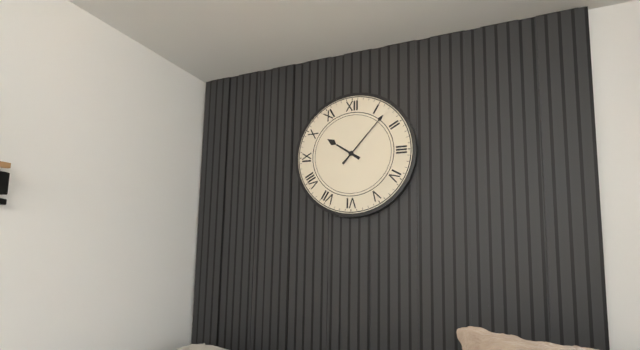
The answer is 10:07
